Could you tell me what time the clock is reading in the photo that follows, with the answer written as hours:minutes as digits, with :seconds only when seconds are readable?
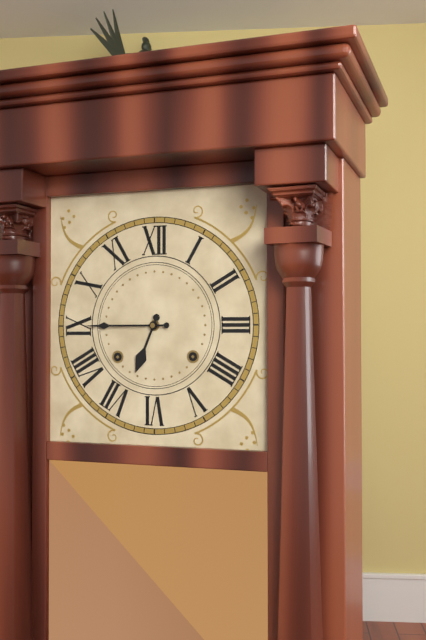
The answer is 6:45
